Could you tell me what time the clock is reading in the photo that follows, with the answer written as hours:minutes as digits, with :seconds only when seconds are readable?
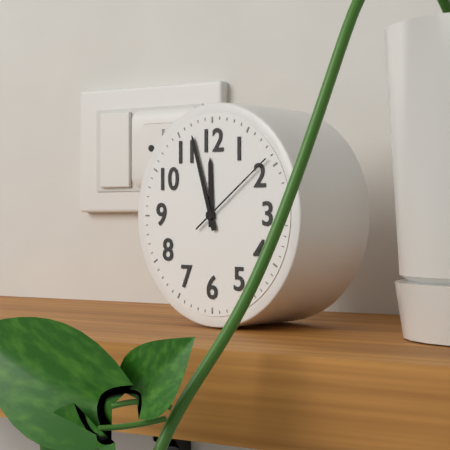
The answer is 11:57:09
